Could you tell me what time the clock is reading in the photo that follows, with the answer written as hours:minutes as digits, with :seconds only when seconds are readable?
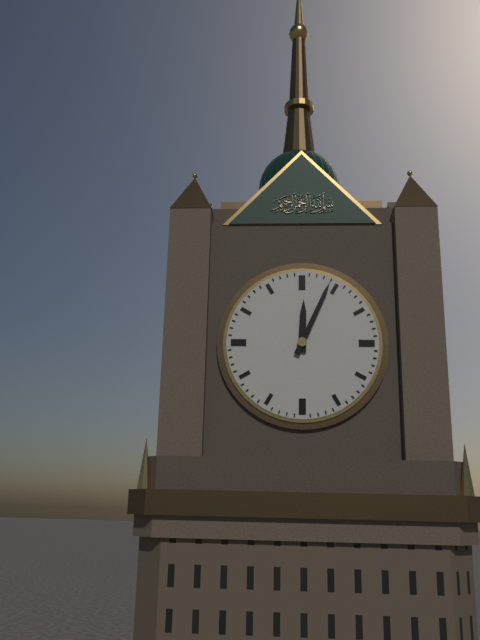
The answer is 12:04
